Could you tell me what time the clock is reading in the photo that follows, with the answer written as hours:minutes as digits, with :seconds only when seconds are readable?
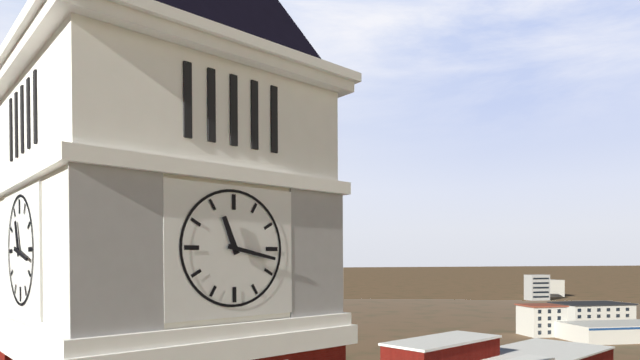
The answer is 11:17
